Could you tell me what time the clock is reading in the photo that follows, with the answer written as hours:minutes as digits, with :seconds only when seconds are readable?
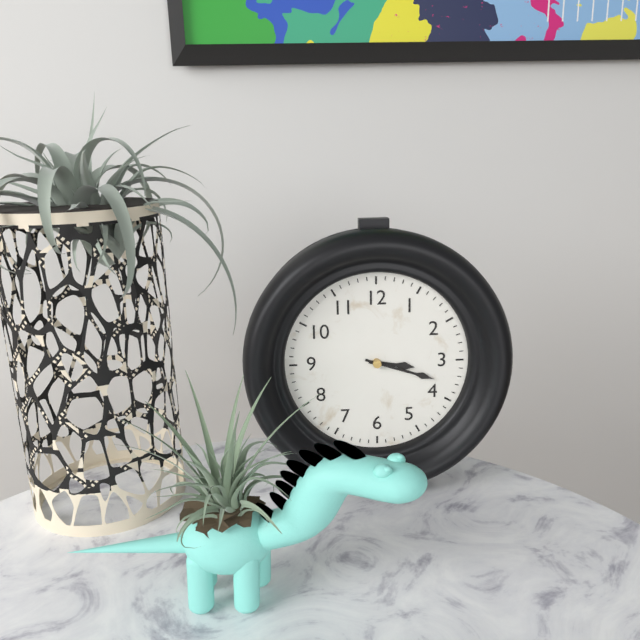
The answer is 3:18
